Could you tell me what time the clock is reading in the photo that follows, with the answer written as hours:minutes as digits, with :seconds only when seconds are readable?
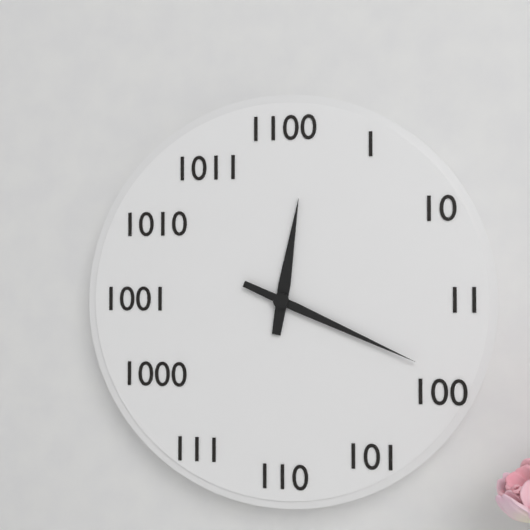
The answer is 12:19
